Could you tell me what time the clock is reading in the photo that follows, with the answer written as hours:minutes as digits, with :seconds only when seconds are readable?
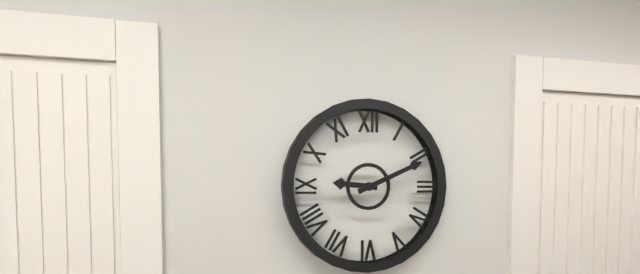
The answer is 9:11
